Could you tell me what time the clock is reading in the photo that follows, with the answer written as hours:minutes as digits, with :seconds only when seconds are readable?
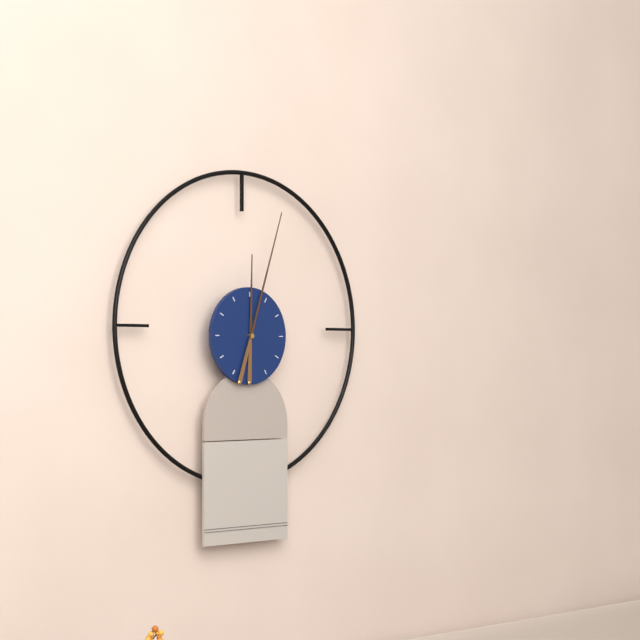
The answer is 12:03
